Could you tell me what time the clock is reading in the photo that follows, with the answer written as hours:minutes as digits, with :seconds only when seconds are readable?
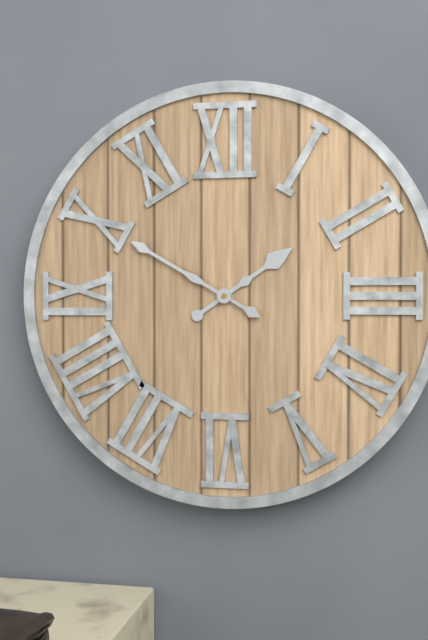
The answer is 1:50
